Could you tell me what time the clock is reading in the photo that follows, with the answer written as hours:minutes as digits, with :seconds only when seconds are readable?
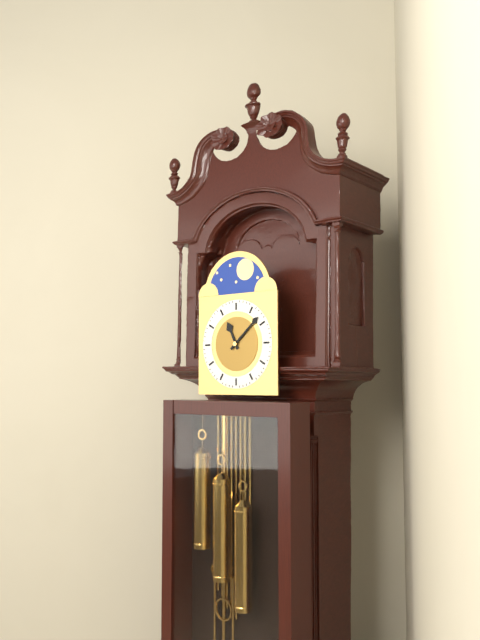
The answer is 11:08
